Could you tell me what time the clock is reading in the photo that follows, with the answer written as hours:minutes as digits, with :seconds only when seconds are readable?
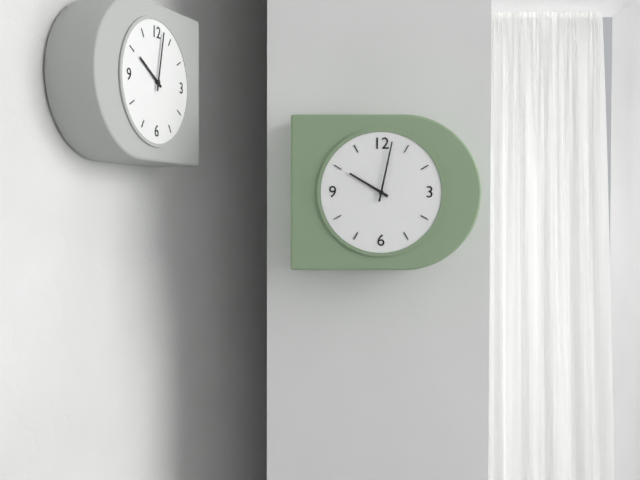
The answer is 10:02
